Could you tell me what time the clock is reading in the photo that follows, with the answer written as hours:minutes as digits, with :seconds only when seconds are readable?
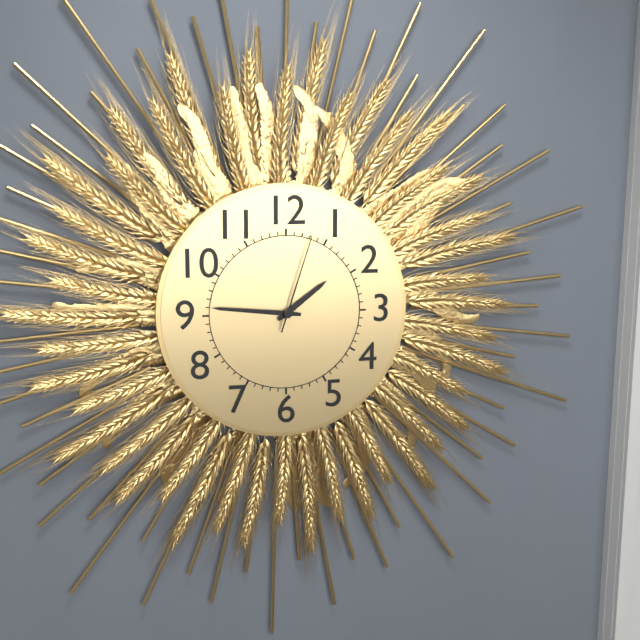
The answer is 1:46:03
